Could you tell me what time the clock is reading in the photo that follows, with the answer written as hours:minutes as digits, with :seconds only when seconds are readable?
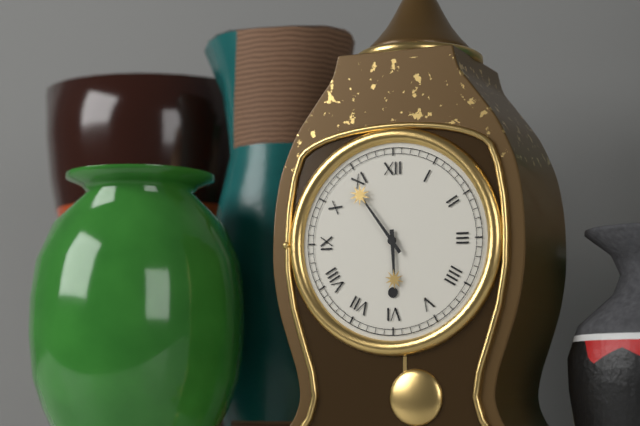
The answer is 5:54
